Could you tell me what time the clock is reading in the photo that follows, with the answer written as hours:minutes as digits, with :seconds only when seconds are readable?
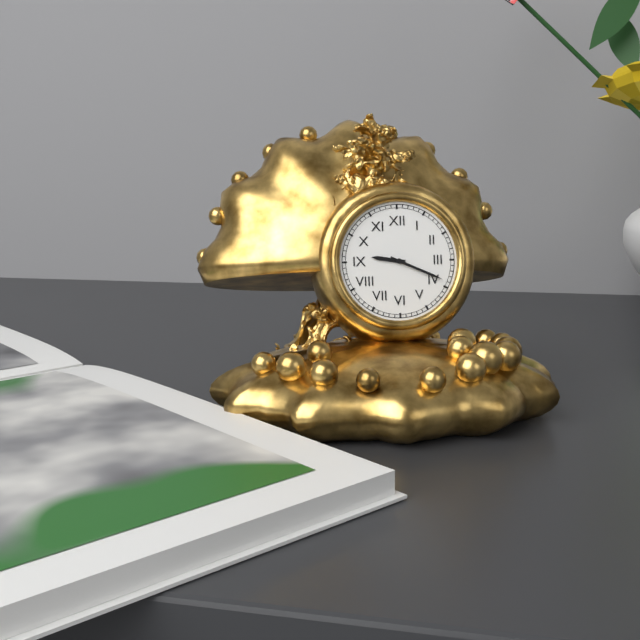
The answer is 9:19
